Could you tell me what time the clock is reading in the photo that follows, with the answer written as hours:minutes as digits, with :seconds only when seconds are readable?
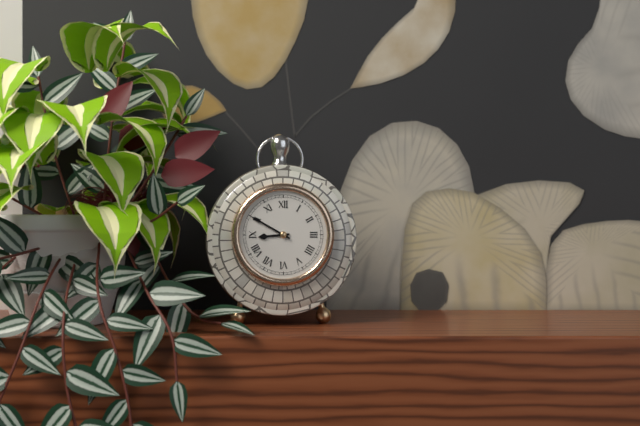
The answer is 8:50
